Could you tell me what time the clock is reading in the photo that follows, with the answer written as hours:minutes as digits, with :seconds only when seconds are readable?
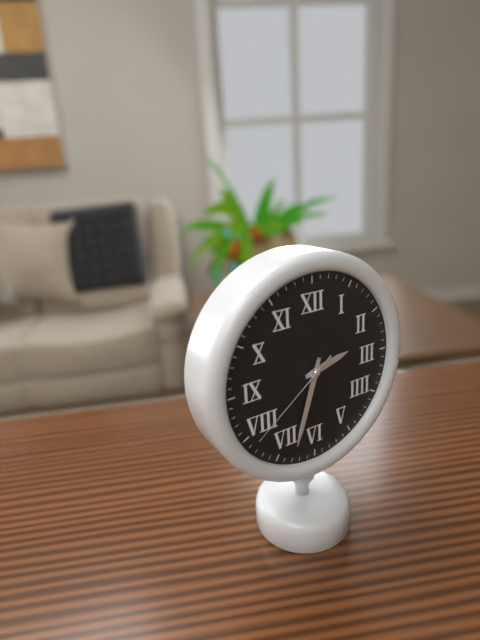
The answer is 2:33:39
